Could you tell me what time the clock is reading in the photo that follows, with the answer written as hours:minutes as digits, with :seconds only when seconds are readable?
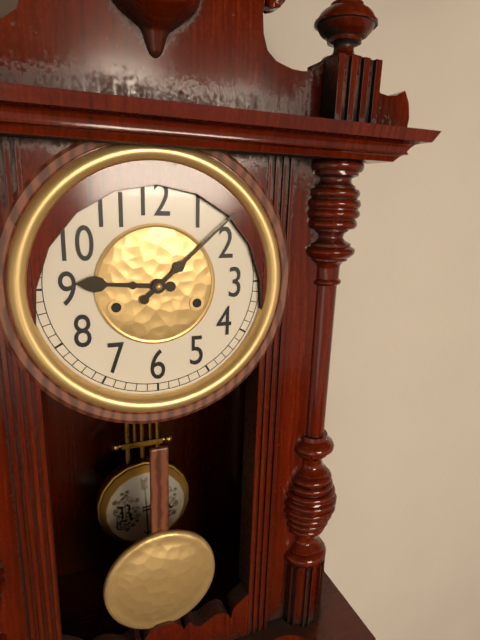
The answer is 9:08
